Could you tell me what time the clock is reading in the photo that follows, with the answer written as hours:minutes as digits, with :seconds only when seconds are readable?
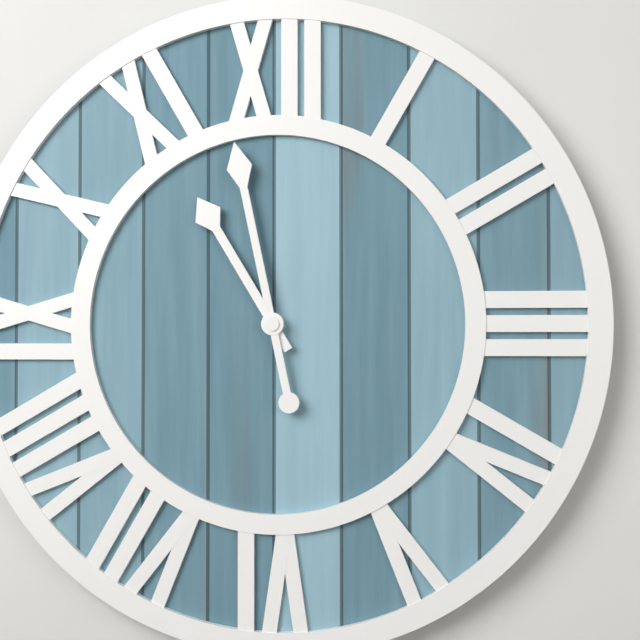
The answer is 10:58
